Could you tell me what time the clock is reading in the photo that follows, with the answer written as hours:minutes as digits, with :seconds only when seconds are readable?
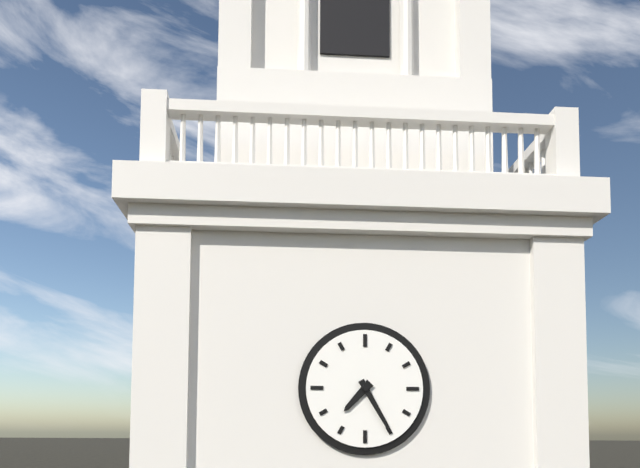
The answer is 7:25
